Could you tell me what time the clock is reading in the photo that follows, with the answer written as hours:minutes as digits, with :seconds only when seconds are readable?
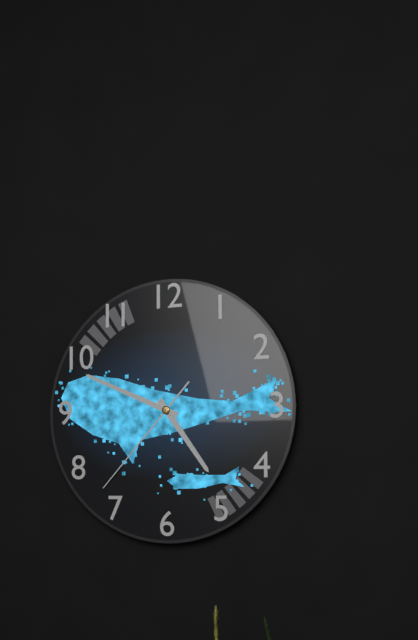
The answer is 4:49:37
